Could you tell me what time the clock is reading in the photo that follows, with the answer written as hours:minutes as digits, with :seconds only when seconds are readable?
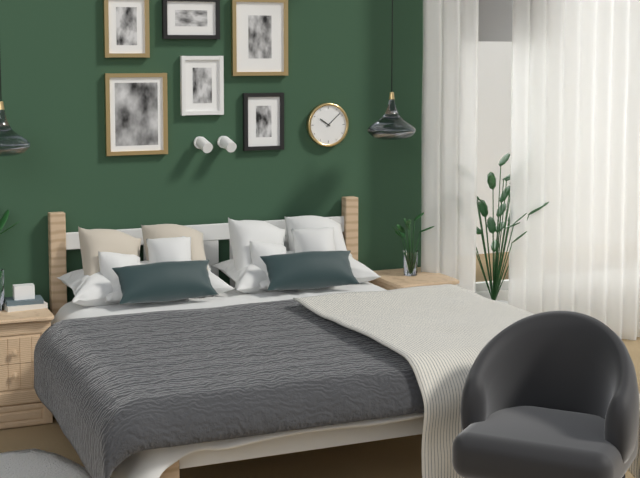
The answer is 10:08
